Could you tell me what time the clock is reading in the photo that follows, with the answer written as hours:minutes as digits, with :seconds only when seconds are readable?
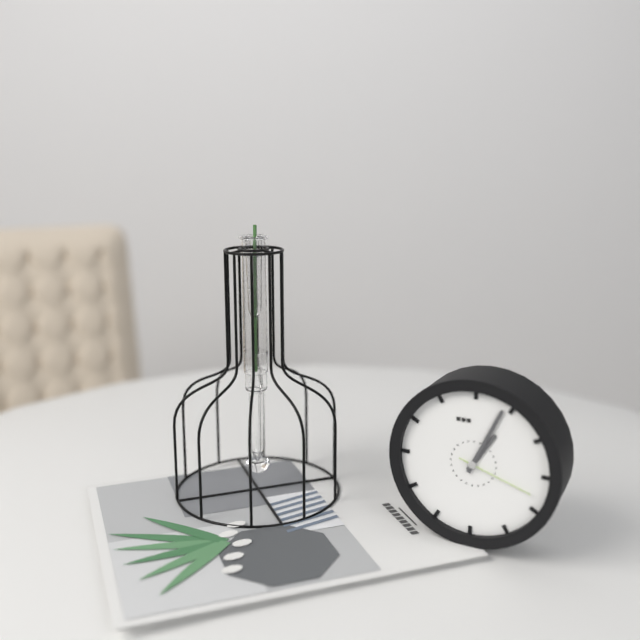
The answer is 1:04:18
